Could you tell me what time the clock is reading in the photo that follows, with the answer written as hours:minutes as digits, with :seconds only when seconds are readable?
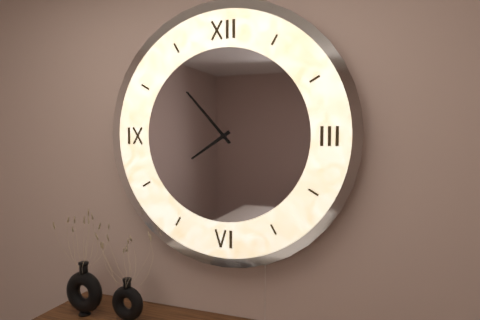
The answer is 7:53
